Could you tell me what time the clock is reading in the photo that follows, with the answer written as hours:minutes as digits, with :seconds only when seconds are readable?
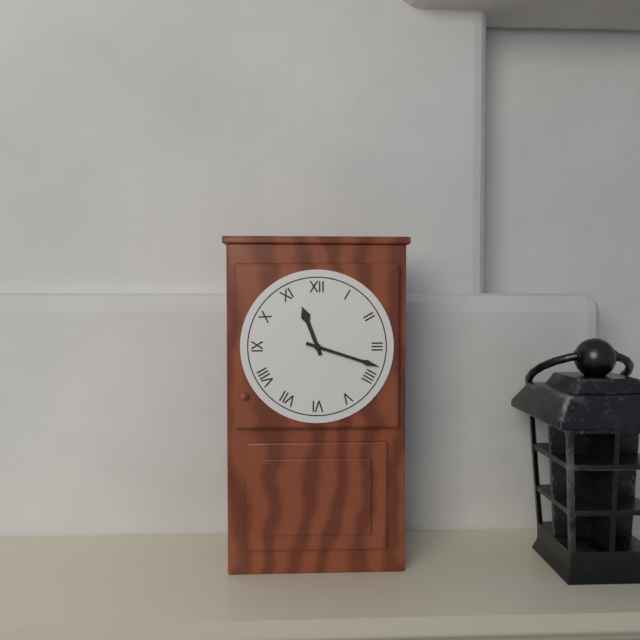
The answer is 11:18
